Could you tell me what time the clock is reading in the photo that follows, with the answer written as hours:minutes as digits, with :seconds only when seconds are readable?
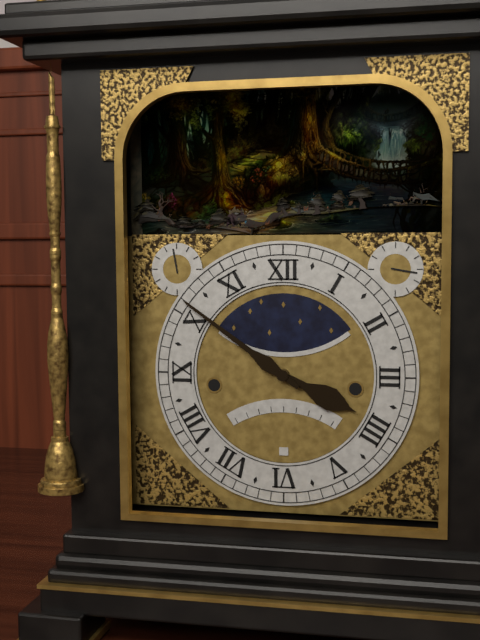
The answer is 3:51
